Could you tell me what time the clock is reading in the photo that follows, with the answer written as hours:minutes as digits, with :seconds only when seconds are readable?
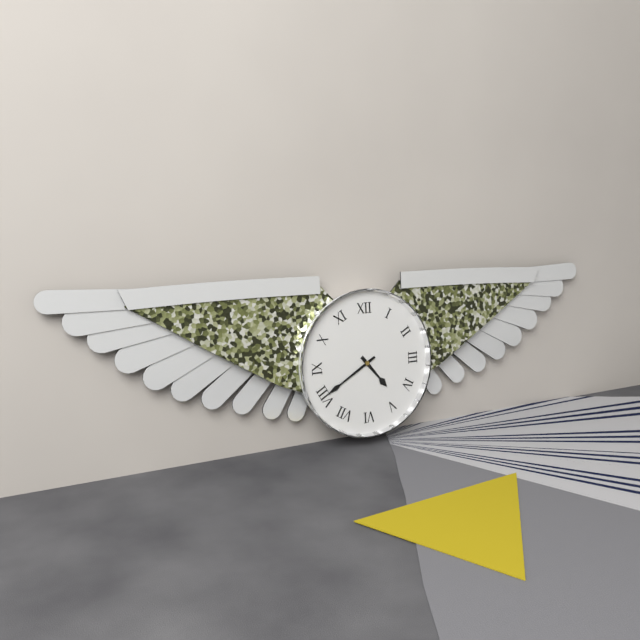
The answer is 4:40
